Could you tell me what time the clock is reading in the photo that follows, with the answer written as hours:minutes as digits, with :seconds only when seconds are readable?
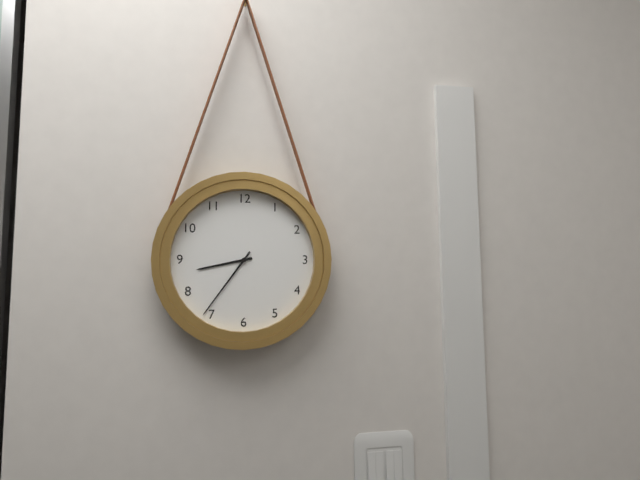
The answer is 8:36
